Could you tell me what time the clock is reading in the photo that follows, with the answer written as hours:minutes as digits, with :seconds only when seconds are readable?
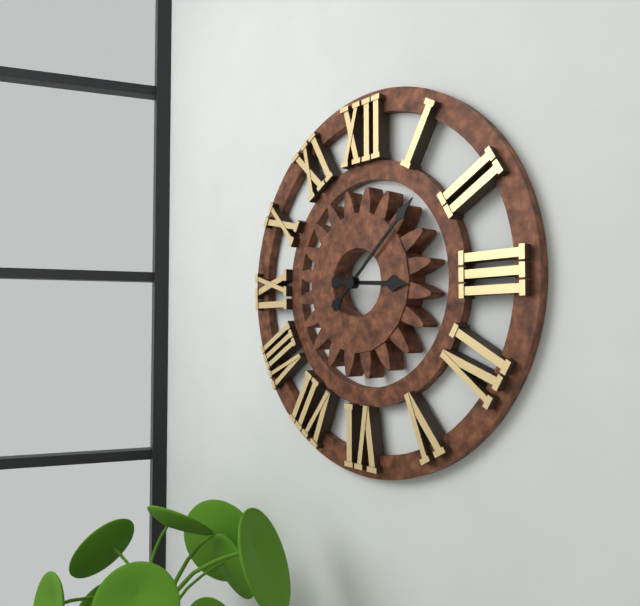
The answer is 3:08
